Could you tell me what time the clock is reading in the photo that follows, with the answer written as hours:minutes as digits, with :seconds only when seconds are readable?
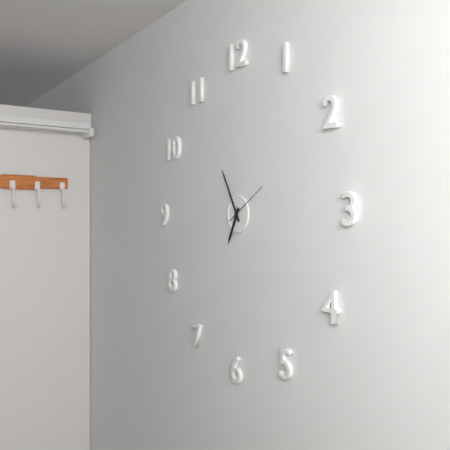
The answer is 6:55
